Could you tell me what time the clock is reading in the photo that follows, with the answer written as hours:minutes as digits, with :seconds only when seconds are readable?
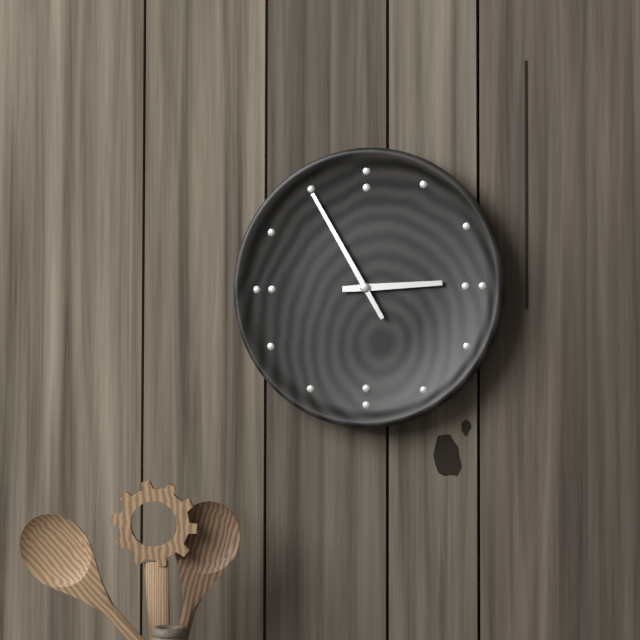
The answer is 2:55
